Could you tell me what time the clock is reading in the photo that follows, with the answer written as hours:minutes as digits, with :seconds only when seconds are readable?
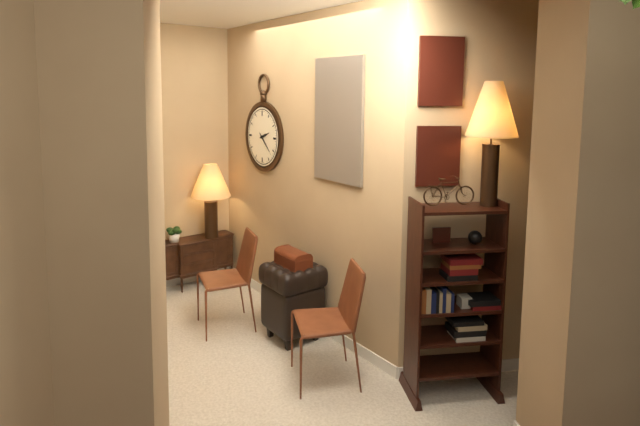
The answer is 2:22
